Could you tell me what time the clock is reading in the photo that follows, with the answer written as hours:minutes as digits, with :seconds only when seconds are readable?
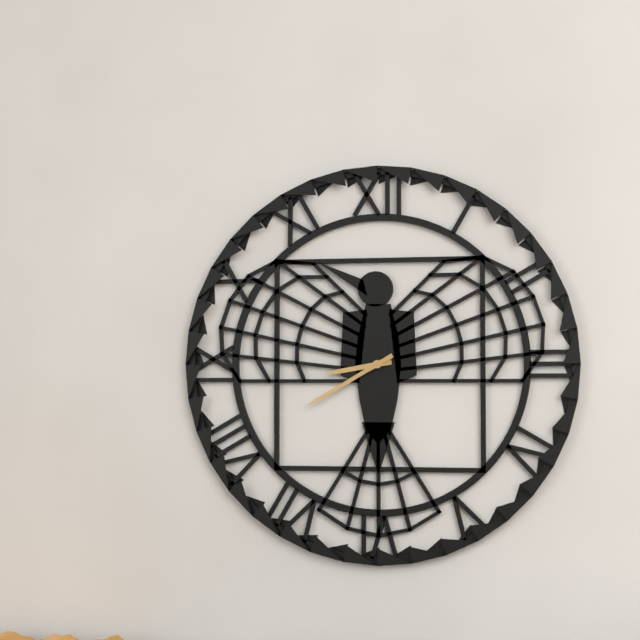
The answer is 8:40
